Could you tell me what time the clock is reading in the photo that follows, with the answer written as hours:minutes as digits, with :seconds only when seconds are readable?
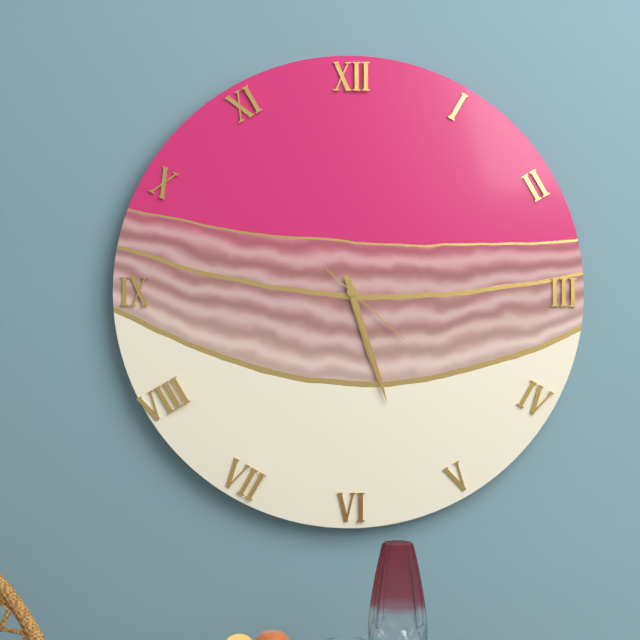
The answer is 5:27:22
